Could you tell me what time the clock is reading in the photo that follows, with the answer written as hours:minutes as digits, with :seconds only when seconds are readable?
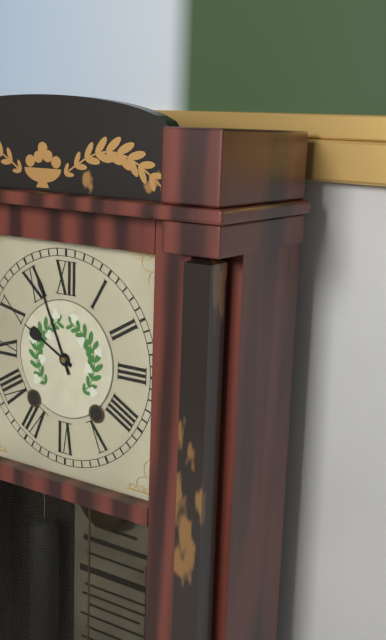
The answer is 9:56
